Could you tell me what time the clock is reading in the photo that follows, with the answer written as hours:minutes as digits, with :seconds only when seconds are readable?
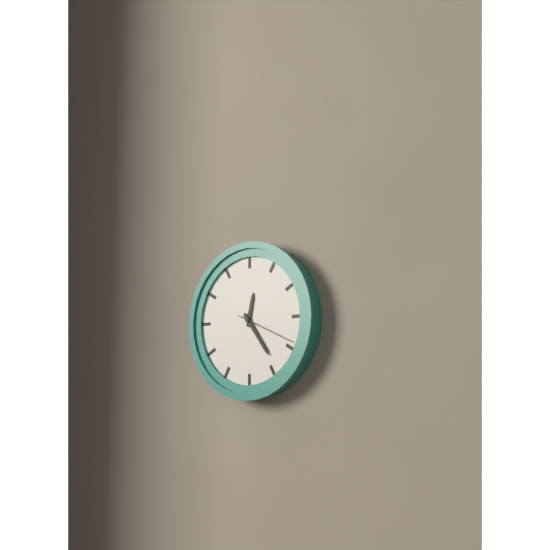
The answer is 12:24:19
